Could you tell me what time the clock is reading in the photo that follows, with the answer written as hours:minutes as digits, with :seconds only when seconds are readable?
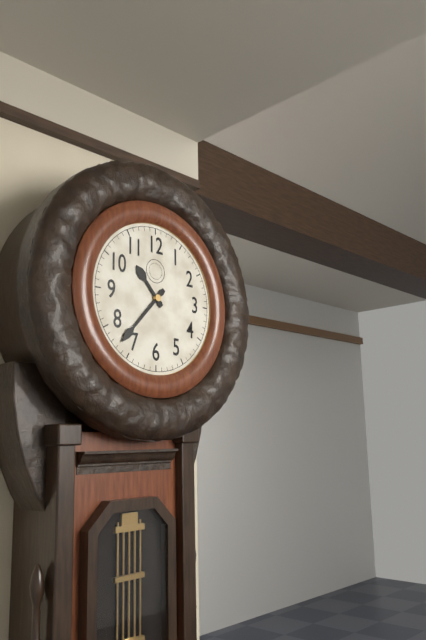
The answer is 10:37
